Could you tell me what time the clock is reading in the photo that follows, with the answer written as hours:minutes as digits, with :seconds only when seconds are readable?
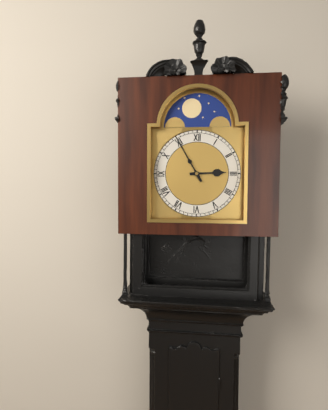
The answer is 2:55
